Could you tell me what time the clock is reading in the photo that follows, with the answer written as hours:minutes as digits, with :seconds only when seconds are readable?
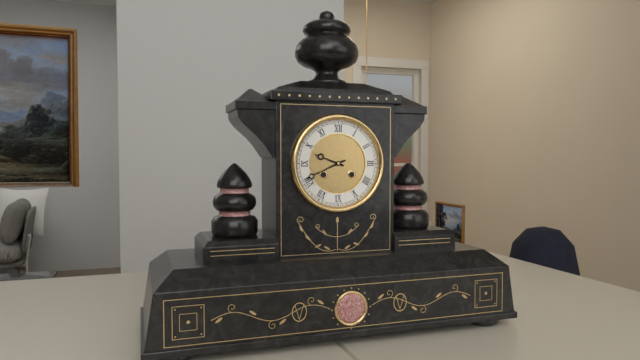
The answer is 9:41
